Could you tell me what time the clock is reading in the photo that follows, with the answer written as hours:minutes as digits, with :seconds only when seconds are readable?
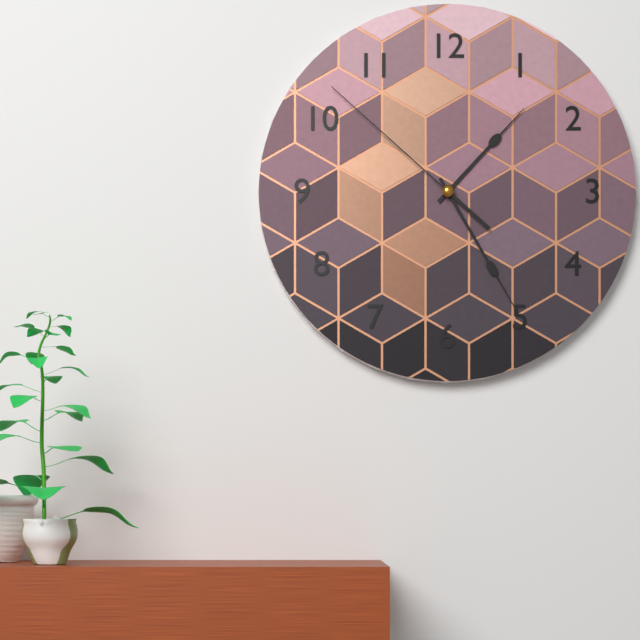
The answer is 1:25:52
